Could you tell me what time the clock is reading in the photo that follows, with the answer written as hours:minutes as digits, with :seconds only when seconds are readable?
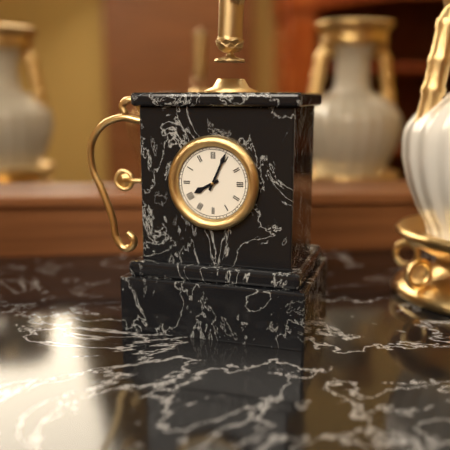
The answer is 8:04
